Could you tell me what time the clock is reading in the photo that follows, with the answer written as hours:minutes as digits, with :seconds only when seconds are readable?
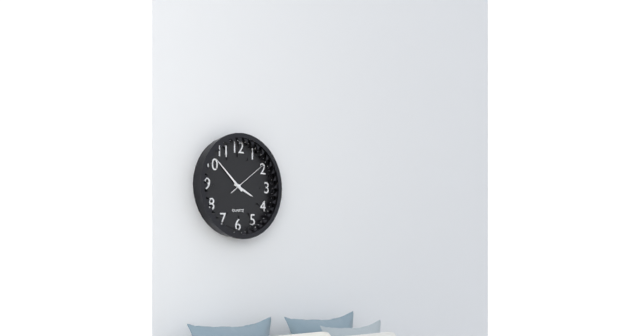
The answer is 3:52
